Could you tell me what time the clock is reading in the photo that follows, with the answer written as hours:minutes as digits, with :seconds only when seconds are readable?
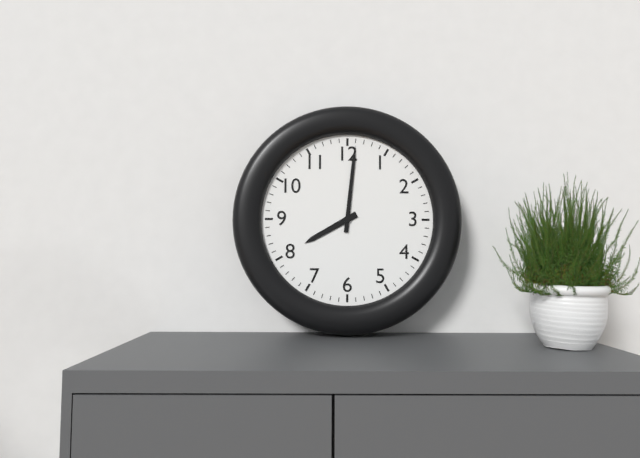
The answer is 8:01
